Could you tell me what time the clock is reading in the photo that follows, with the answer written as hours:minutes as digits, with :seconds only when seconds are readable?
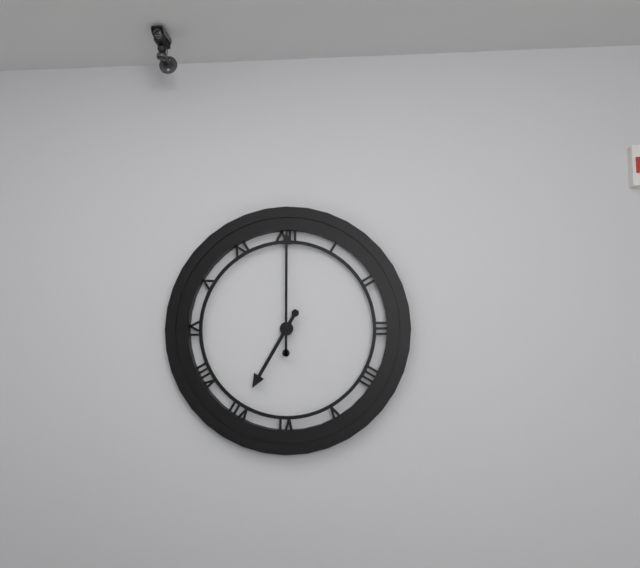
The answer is 7:00
